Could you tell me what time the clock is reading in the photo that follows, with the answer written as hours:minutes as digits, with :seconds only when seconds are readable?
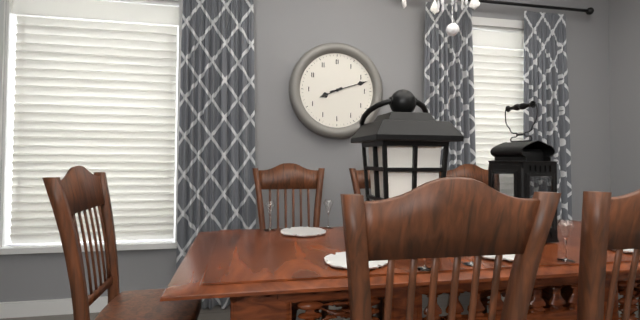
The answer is 8:12
